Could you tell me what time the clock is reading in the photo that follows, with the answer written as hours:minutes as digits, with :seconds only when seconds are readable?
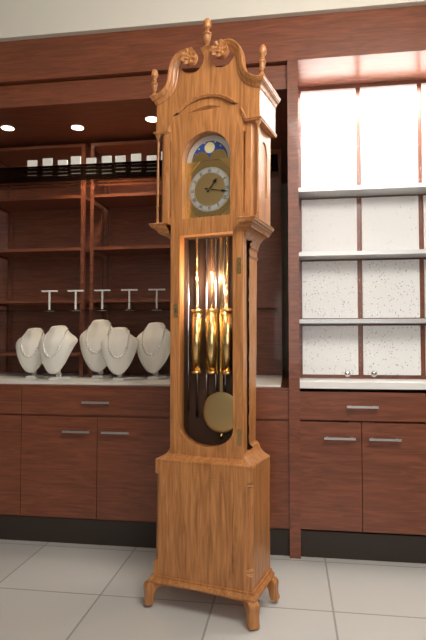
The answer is 1:17
